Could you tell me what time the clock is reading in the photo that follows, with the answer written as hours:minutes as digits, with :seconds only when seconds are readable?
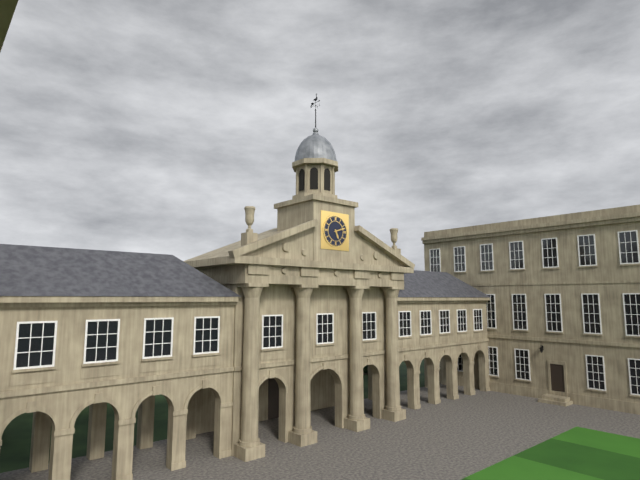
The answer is 5:12
